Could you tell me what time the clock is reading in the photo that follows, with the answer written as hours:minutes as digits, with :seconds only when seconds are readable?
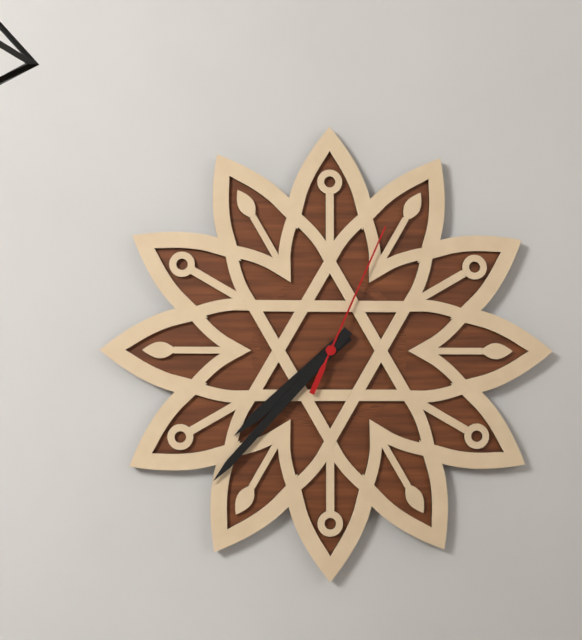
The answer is 7:37:04
